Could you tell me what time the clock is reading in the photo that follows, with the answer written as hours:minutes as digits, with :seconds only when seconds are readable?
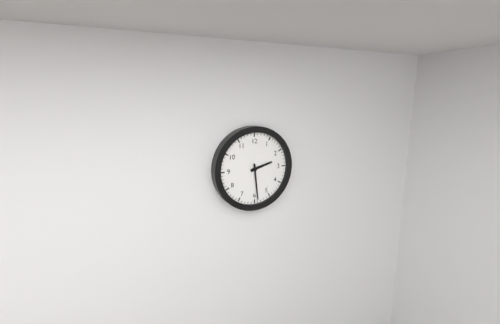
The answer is 2:29
